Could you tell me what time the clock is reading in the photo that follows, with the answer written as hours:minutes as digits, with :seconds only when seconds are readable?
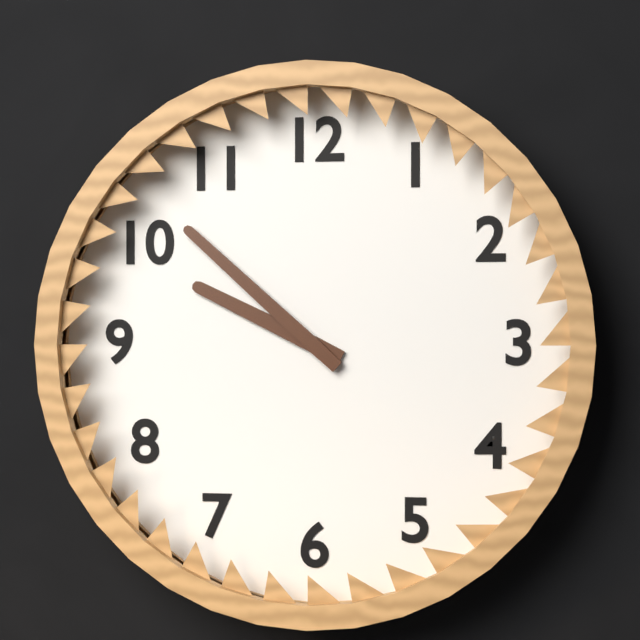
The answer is 9:52
